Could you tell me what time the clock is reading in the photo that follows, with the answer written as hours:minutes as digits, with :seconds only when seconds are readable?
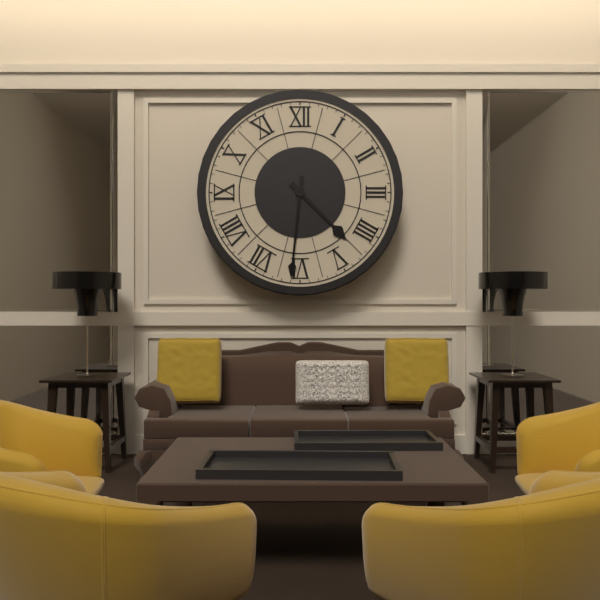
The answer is 4:31
